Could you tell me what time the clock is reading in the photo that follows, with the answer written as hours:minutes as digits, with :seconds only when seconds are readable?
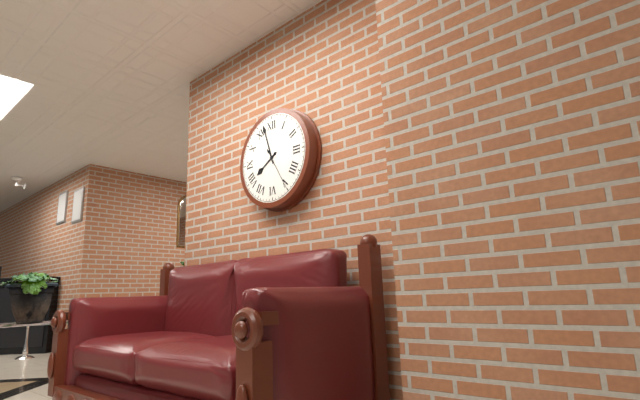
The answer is 7:57
